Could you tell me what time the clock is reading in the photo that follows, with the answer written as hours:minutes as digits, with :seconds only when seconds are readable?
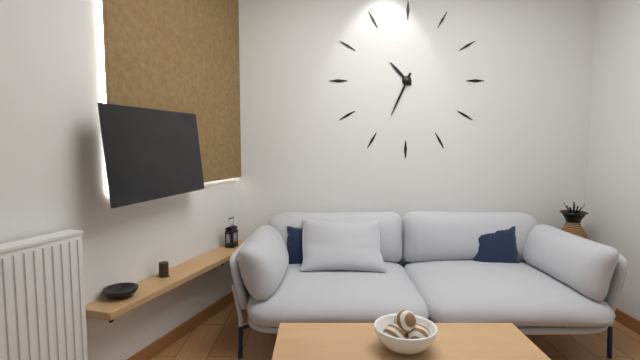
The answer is 10:34
